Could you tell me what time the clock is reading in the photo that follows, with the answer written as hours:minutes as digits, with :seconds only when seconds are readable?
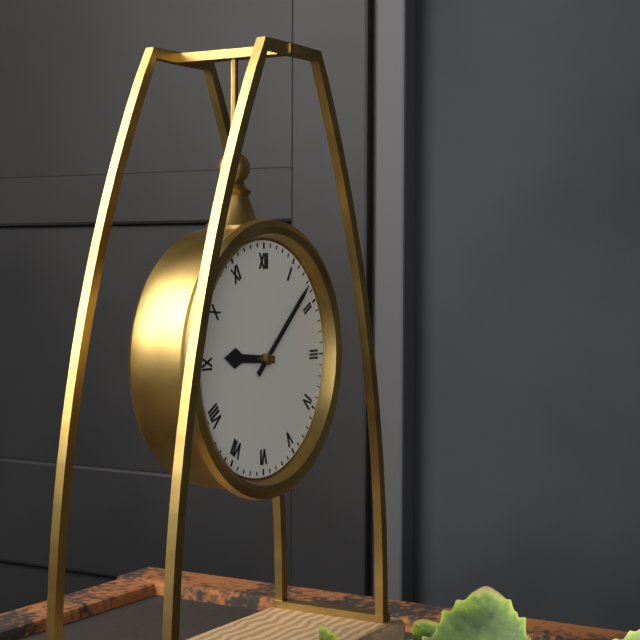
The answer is 9:08
